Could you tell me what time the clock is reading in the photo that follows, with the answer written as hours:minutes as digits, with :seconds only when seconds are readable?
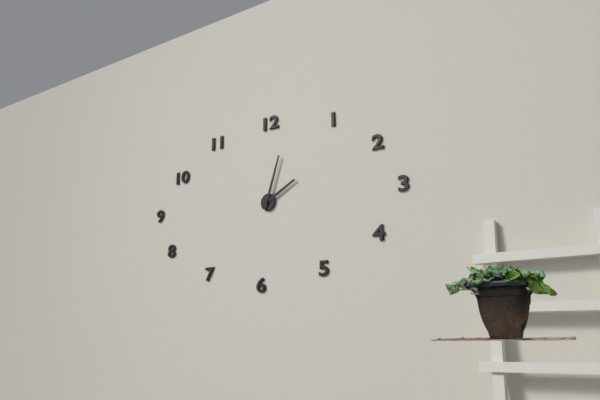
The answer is 2:03
